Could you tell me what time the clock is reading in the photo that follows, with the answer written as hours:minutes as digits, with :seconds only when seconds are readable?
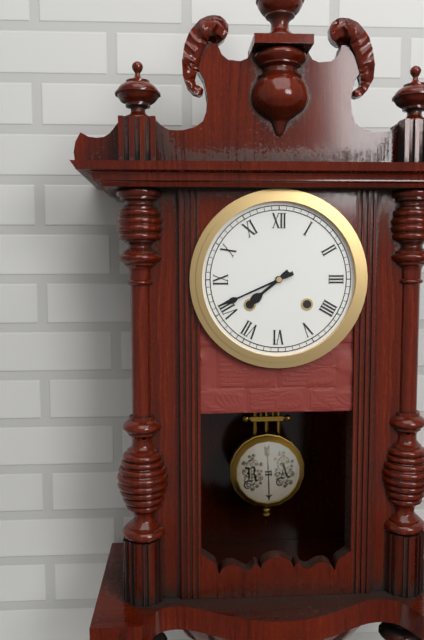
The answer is 7:41
